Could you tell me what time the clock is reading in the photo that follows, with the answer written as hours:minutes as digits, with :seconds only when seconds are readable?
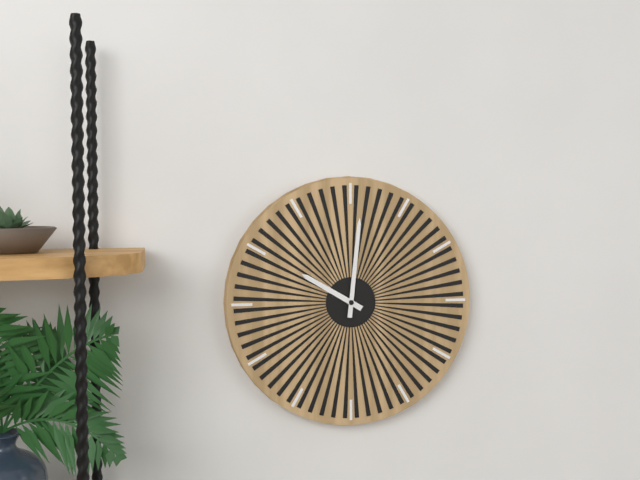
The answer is 10:01
